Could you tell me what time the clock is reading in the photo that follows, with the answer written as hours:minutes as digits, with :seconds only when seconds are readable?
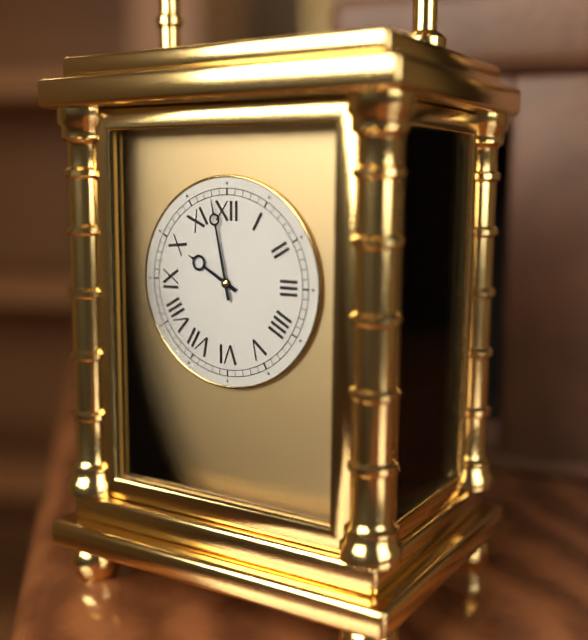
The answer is 9:58
